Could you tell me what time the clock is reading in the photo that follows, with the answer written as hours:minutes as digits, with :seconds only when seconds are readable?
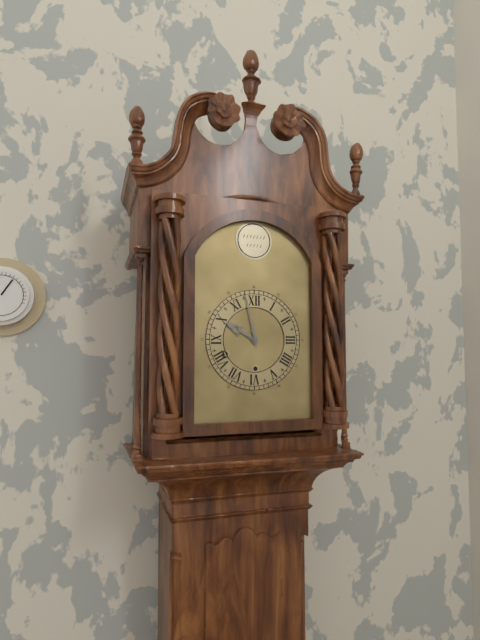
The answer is 9:58
